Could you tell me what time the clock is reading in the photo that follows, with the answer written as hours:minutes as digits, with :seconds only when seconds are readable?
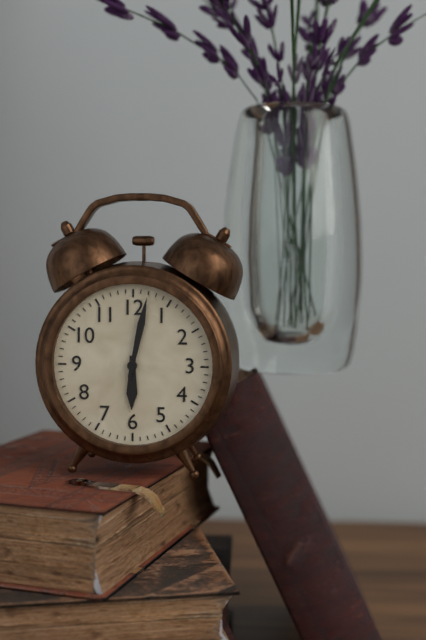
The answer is 6:02
